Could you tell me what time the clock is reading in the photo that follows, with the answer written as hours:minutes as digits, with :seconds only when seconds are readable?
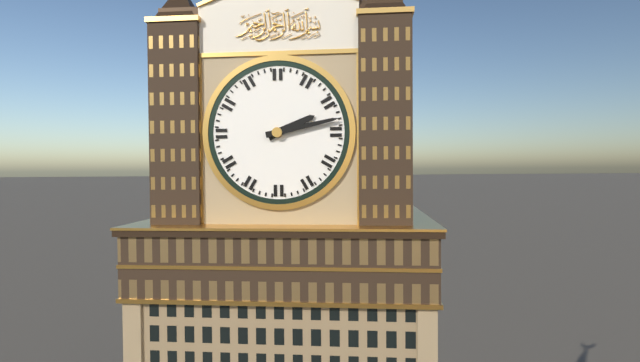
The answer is 2:13
